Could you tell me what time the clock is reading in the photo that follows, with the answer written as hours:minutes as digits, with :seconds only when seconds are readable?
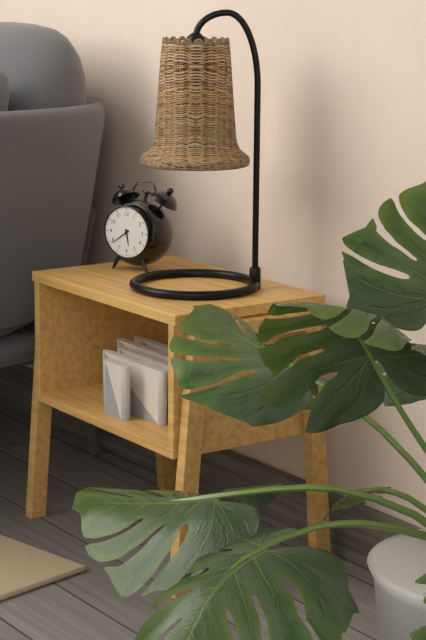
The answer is 5:39
